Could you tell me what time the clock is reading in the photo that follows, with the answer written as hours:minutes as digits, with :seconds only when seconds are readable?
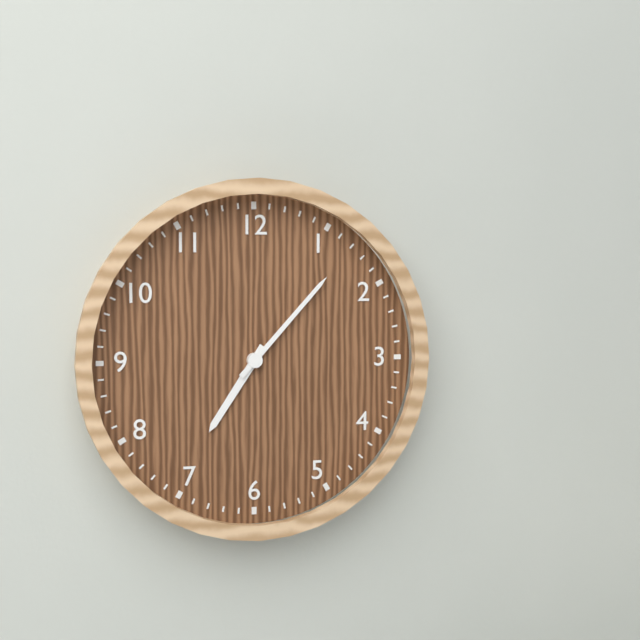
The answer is 7:07
